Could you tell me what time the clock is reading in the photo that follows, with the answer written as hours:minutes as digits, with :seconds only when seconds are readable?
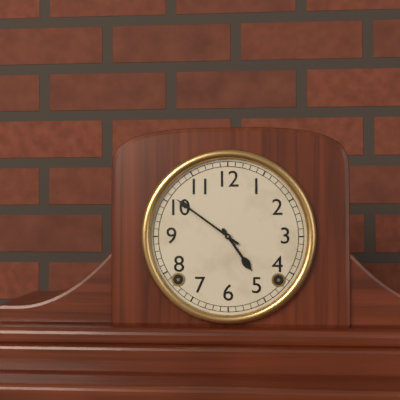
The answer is 4:51
